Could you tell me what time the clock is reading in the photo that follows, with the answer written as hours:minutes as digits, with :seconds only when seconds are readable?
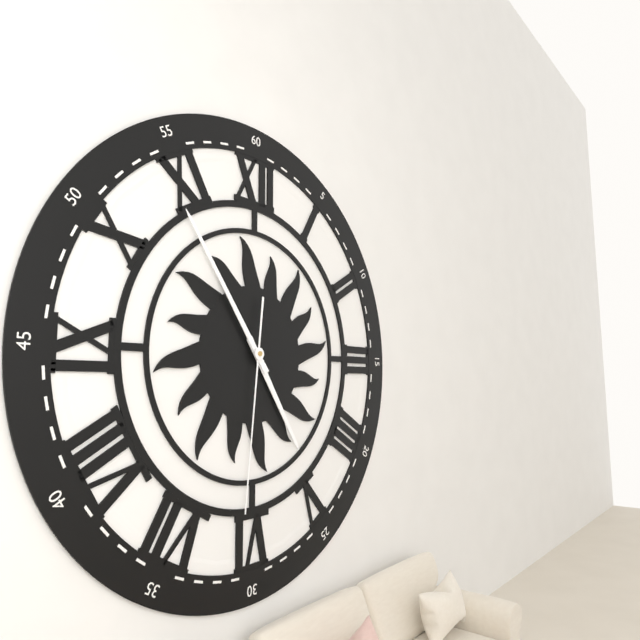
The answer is 4:54:31
